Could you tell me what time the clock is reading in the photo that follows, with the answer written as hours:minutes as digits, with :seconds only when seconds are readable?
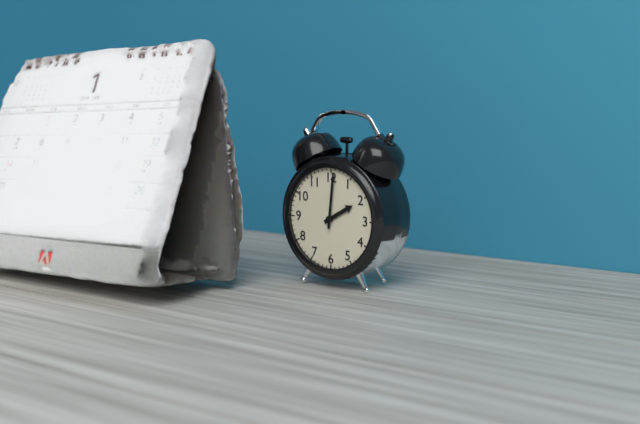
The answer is 2:01
